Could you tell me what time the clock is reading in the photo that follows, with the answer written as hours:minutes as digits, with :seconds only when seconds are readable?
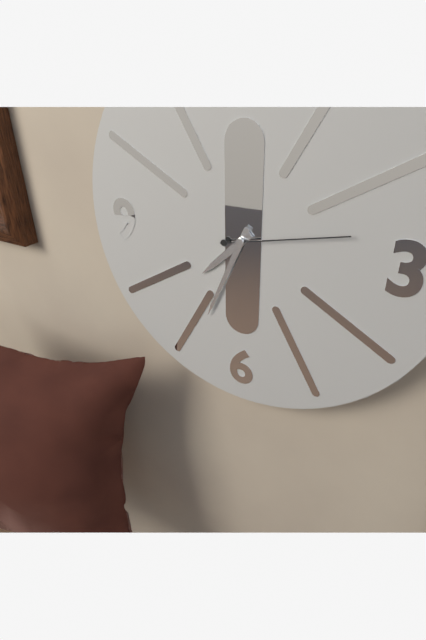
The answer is 7:34:13
